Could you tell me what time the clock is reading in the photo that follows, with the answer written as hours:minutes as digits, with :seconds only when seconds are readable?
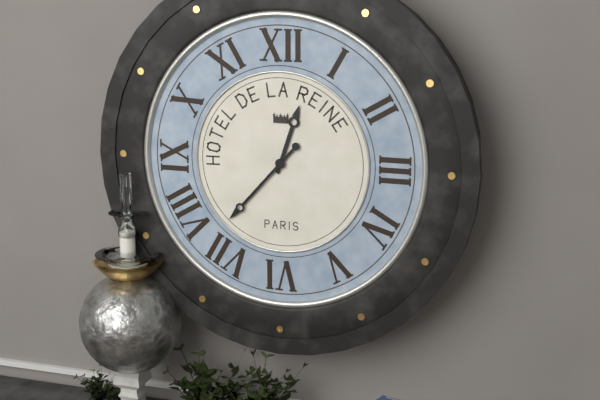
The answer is 12:37
